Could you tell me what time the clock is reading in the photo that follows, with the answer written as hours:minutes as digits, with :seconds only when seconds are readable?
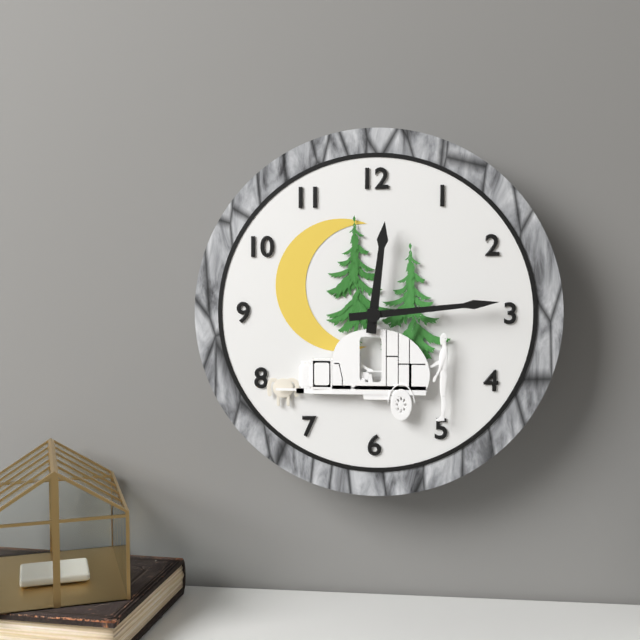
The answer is 12:14
